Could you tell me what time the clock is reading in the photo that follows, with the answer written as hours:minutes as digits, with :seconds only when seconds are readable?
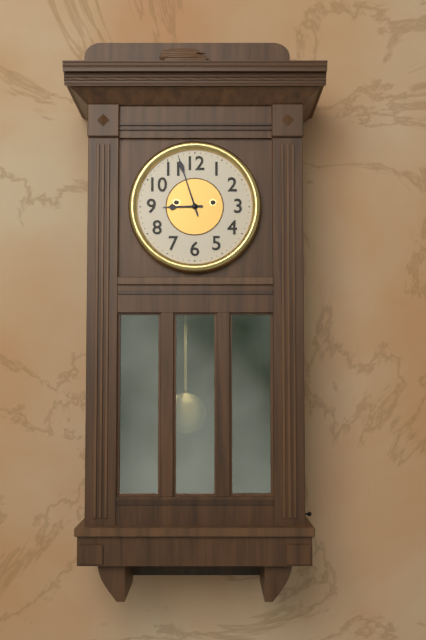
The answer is 8:57
